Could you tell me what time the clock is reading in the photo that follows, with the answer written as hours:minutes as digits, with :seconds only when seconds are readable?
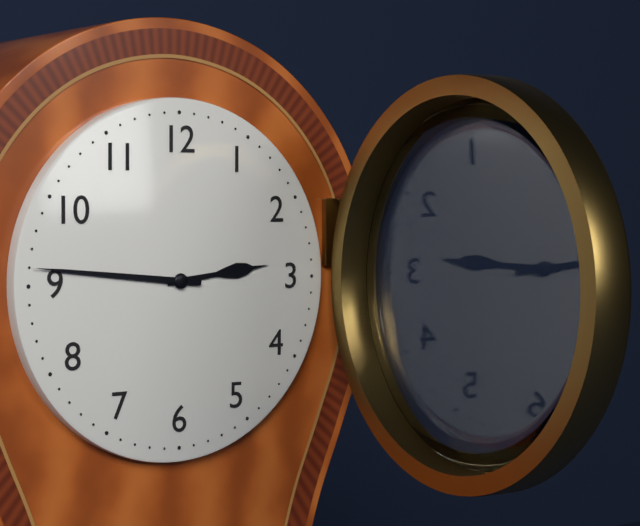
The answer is 2:46
